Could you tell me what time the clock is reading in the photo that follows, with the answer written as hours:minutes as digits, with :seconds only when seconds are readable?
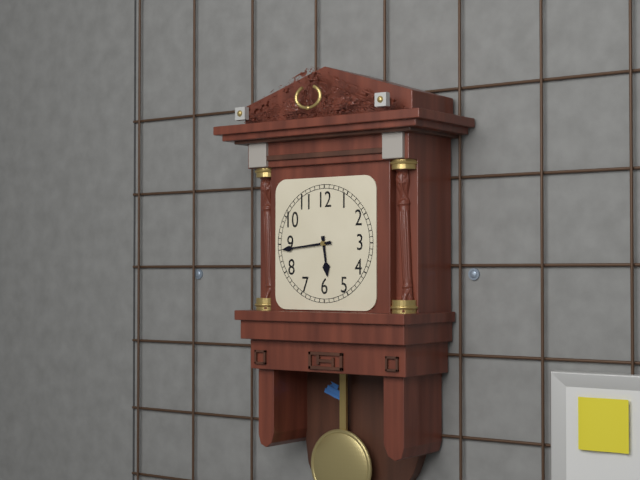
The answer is 5:44
